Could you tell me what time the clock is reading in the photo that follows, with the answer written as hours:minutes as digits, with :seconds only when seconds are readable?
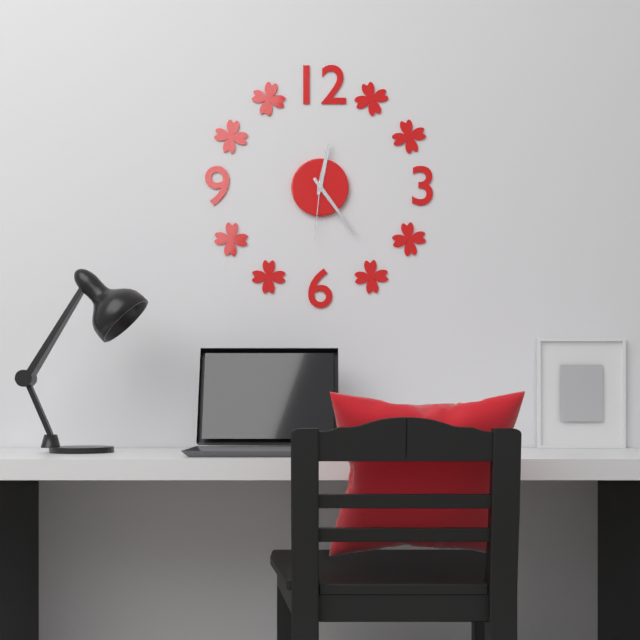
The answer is 12:24:31
